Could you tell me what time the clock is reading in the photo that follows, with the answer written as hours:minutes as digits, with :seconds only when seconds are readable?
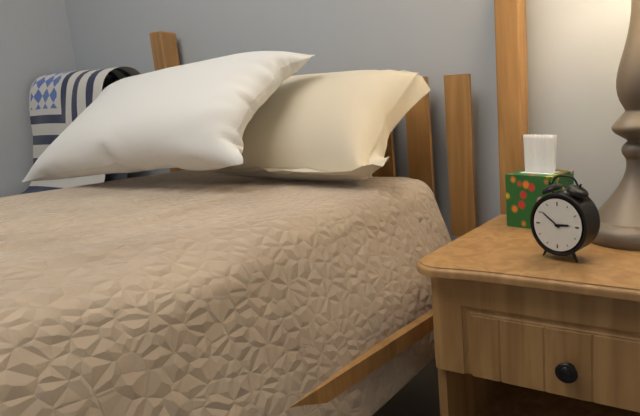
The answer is 2:51
